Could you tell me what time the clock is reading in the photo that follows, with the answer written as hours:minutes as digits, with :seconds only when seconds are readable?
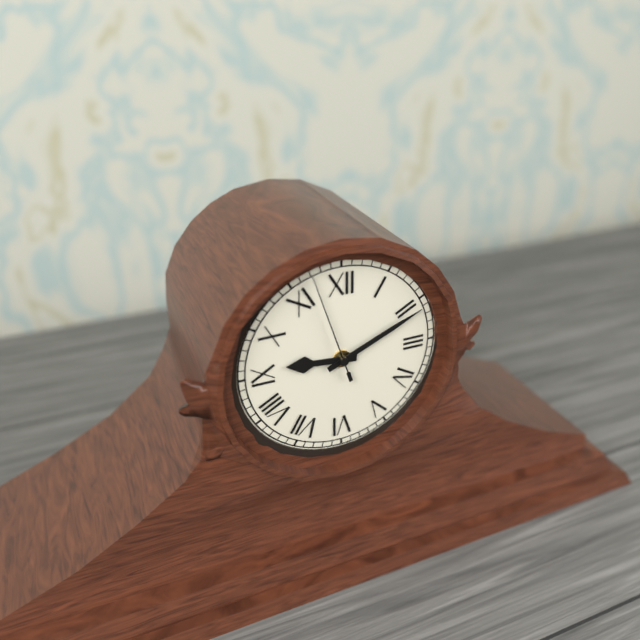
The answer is 9:11:57
